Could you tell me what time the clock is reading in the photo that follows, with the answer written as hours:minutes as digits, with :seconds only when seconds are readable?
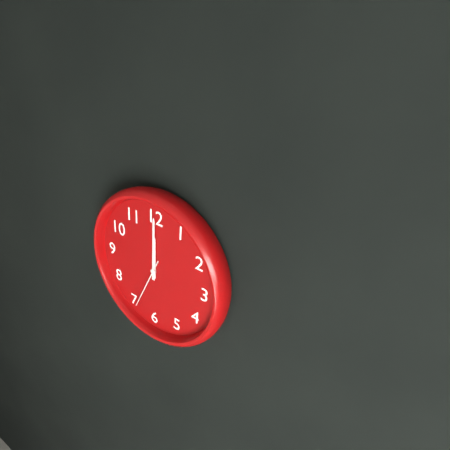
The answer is 12:00:34
